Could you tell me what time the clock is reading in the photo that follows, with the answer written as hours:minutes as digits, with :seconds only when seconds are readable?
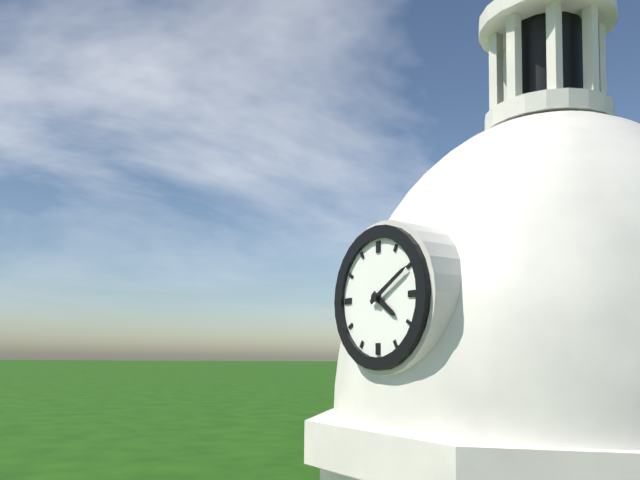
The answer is 4:10
